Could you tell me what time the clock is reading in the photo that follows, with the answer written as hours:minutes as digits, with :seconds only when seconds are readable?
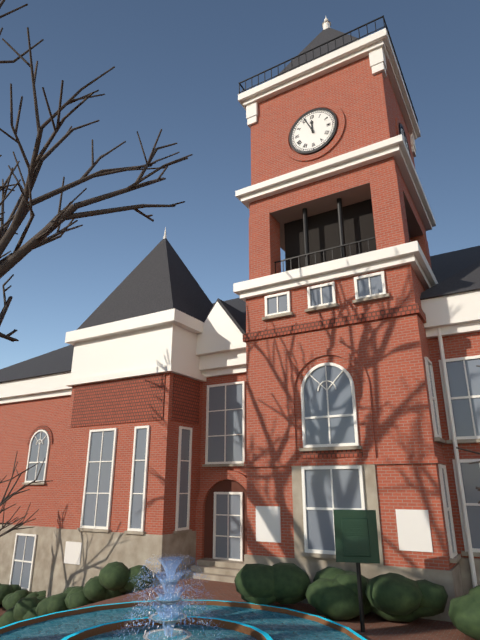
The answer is 11:56
